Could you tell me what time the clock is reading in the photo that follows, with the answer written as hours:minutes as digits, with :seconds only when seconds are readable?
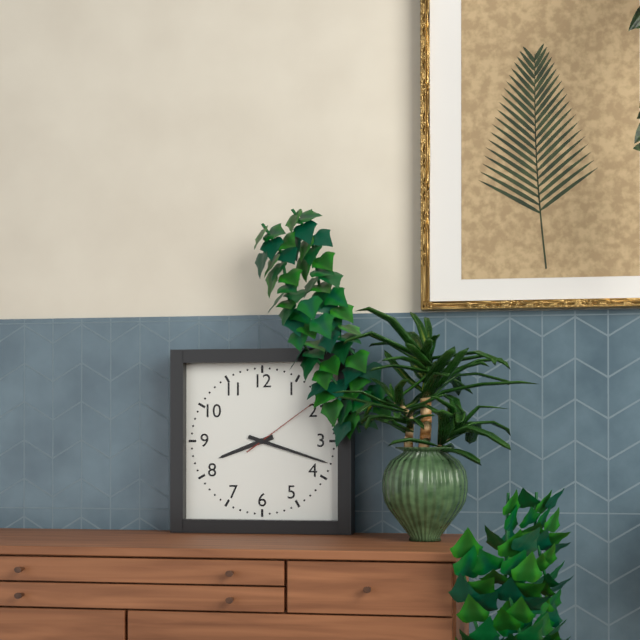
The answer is 8:18:09
